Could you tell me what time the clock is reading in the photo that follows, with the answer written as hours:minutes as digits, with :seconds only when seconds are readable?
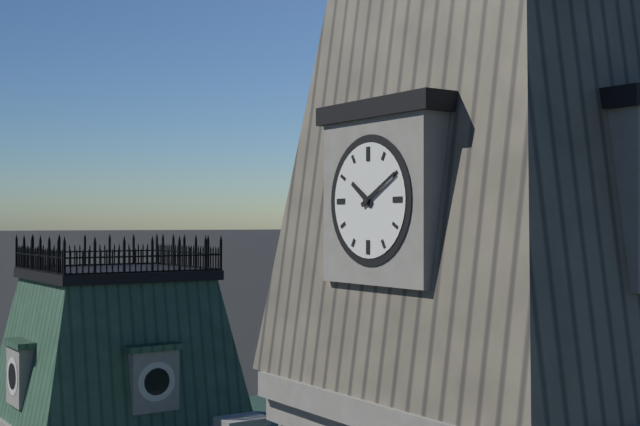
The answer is 10:10
